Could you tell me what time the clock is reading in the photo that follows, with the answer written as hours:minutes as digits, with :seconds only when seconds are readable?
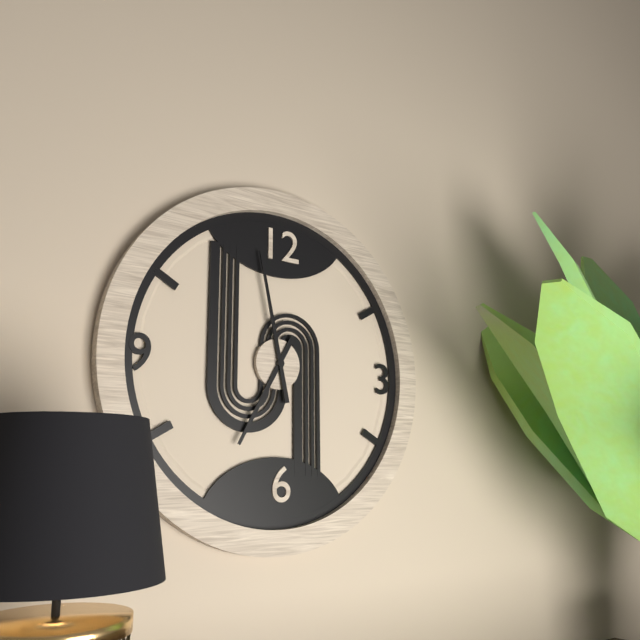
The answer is 6:58
